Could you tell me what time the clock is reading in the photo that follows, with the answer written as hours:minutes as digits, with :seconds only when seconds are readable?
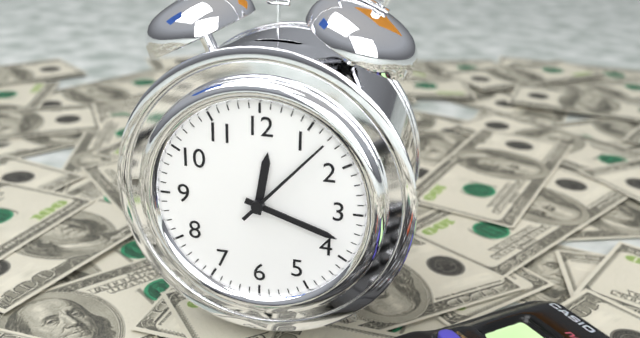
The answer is 12:18:07
